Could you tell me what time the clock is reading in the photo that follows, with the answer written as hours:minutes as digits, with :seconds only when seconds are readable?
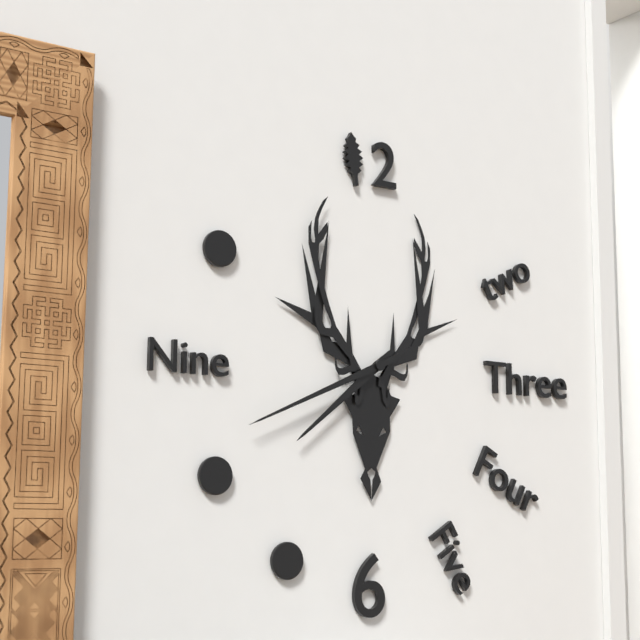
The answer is 7:41
